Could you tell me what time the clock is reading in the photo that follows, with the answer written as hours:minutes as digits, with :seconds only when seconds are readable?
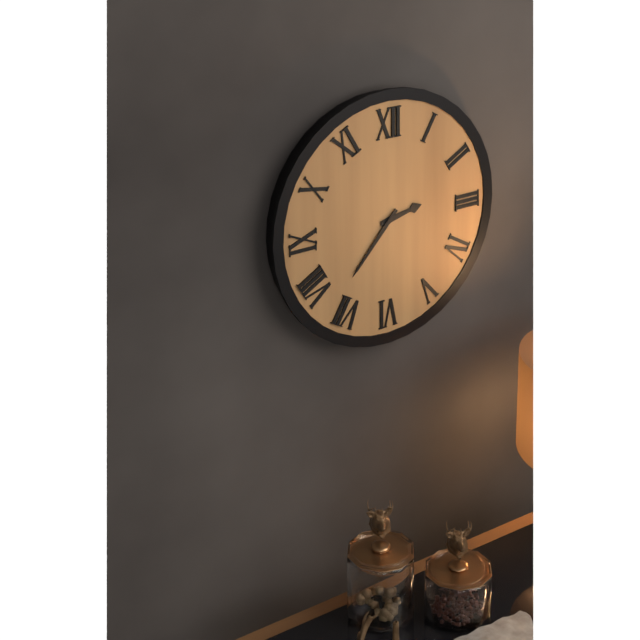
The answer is 2:37
